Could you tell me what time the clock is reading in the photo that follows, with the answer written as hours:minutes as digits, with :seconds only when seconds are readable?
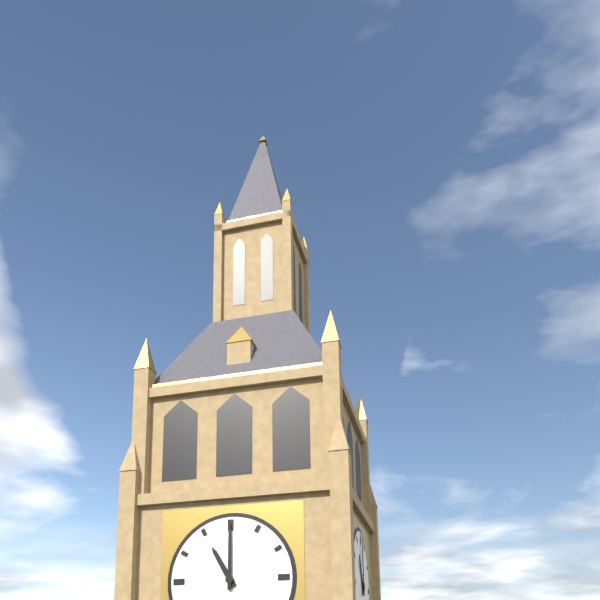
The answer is 11:00
